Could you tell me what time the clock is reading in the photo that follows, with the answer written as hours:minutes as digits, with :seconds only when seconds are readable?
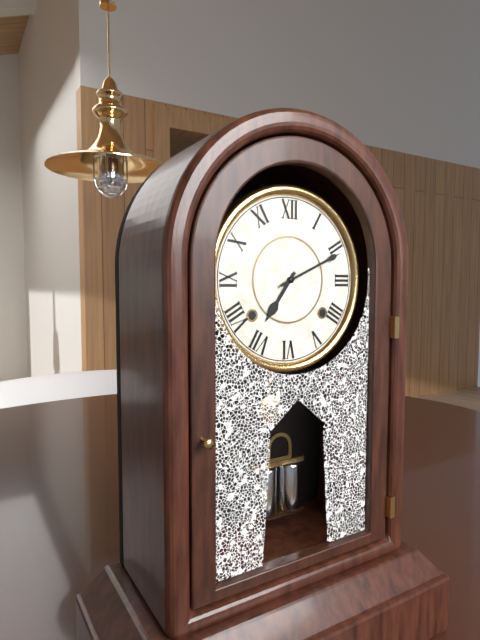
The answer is 7:11
